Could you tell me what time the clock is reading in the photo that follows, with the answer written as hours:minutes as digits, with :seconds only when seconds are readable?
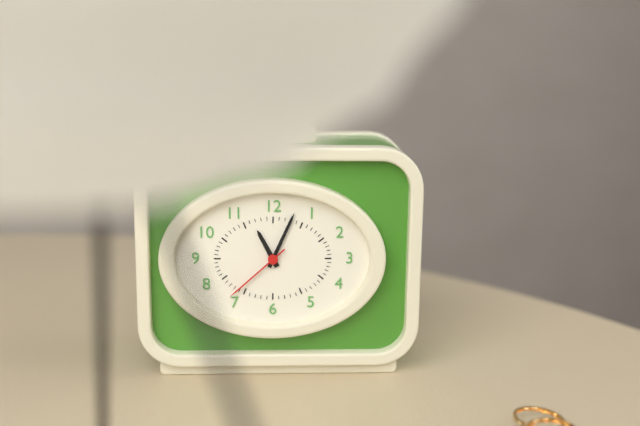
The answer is 11:04:38
